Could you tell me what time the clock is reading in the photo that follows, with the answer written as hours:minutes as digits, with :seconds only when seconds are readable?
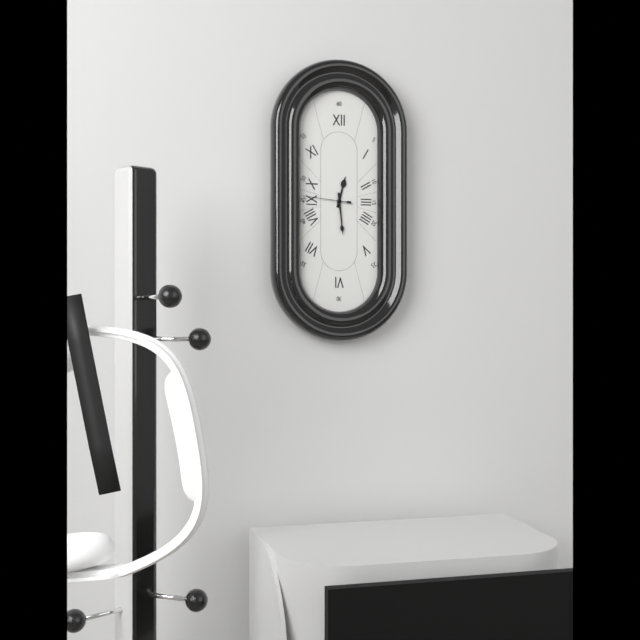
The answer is 12:29
